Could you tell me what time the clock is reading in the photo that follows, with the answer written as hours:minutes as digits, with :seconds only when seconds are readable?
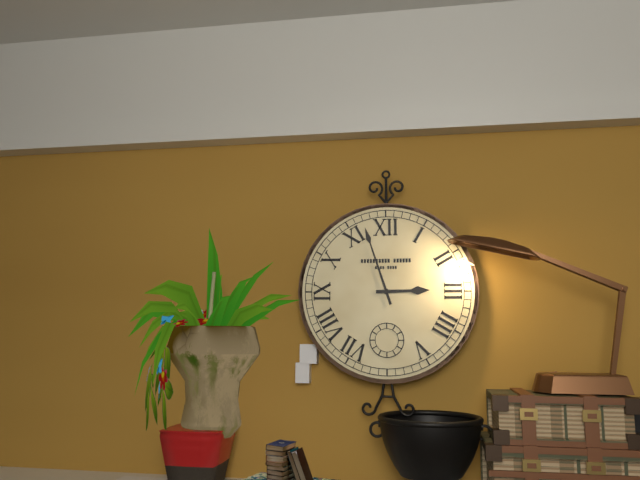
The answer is 2:57
